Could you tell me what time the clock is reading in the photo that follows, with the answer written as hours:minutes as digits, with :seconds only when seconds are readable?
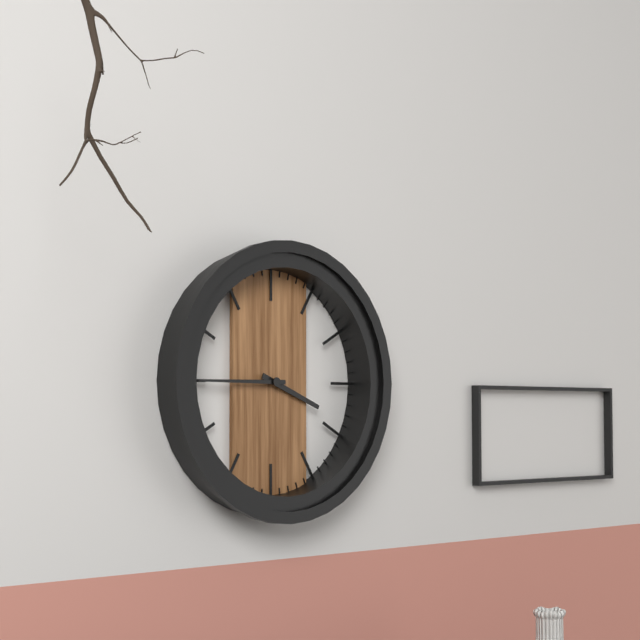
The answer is 3:45
